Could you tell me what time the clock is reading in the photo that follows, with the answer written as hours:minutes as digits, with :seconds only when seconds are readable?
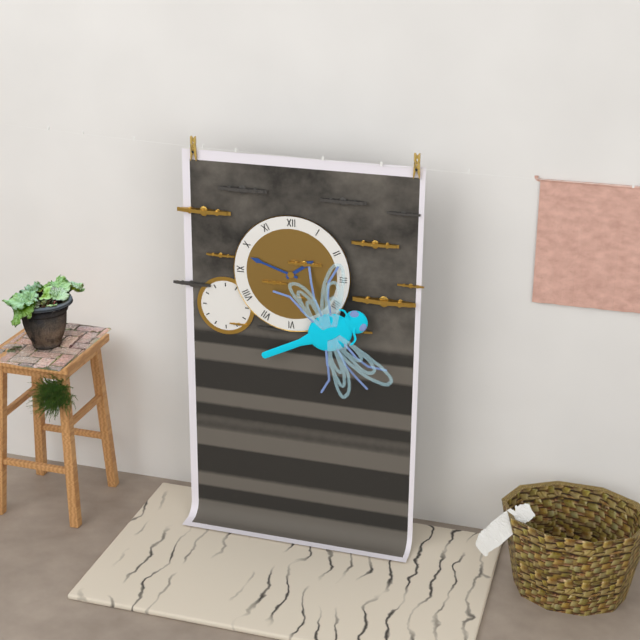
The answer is 1:48
